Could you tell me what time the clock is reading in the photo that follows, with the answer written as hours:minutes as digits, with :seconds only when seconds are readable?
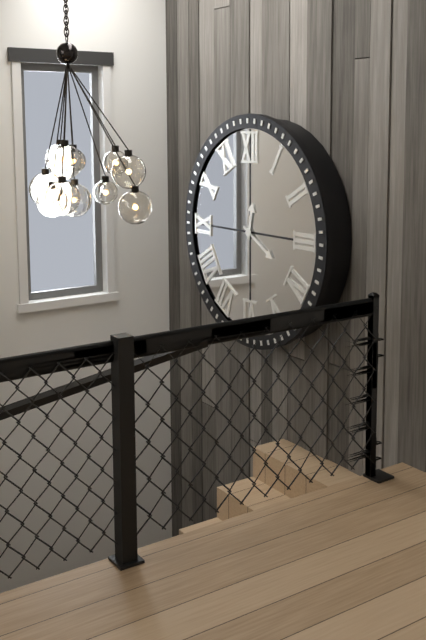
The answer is 12:20
